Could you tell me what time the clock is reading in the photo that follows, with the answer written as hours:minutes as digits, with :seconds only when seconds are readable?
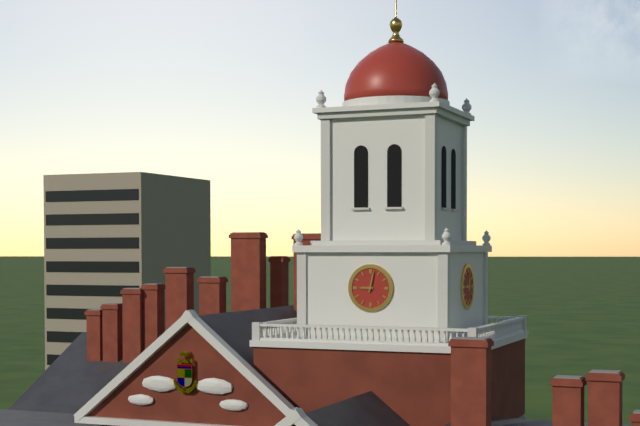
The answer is 9:02
